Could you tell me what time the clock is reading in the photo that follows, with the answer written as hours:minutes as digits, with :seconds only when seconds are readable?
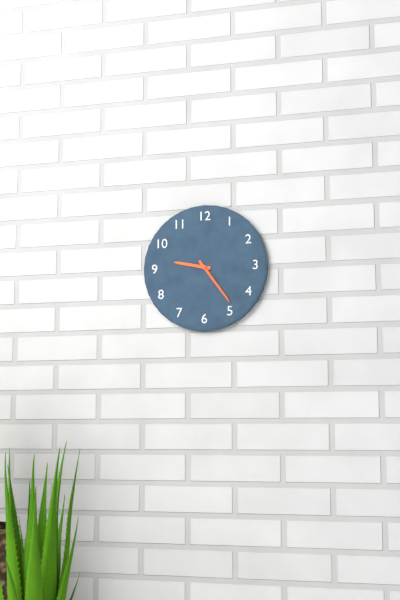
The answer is 9:24
